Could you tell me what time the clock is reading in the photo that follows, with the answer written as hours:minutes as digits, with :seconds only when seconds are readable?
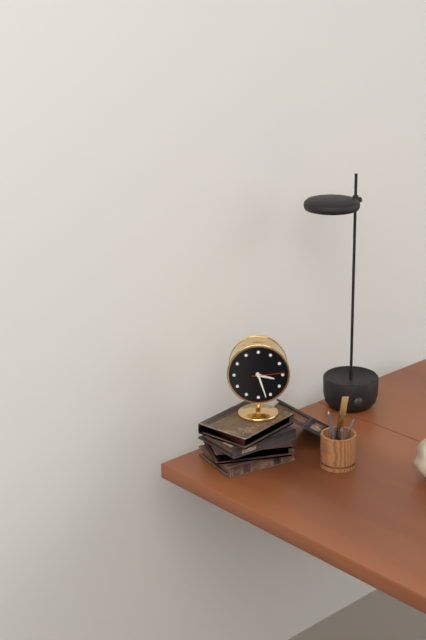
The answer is 3:27
